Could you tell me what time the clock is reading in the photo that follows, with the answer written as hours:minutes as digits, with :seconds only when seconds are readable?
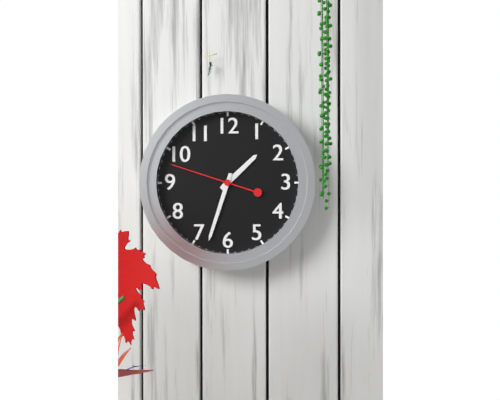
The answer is 1:33:48
